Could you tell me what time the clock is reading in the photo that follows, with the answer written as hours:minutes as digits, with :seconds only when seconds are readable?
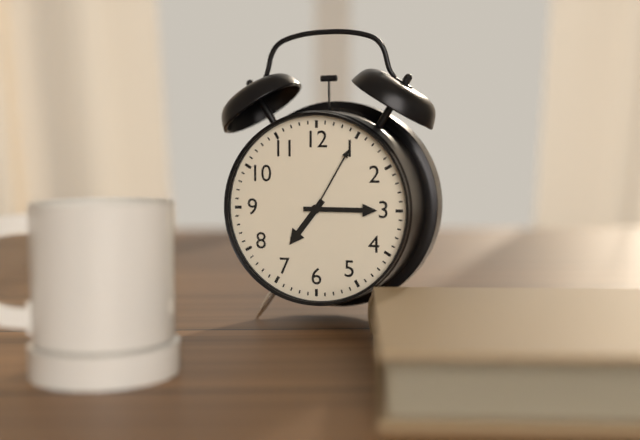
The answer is 7:15:05
